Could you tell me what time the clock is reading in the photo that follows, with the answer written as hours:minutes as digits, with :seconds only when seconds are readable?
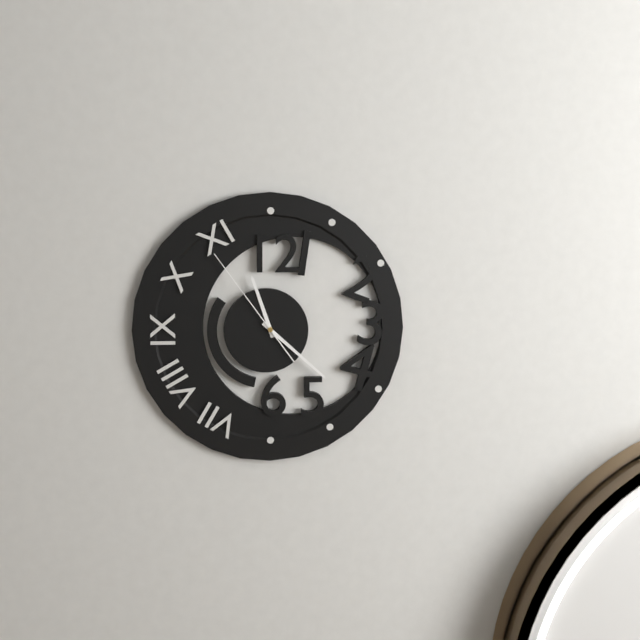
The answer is 11:22:54
